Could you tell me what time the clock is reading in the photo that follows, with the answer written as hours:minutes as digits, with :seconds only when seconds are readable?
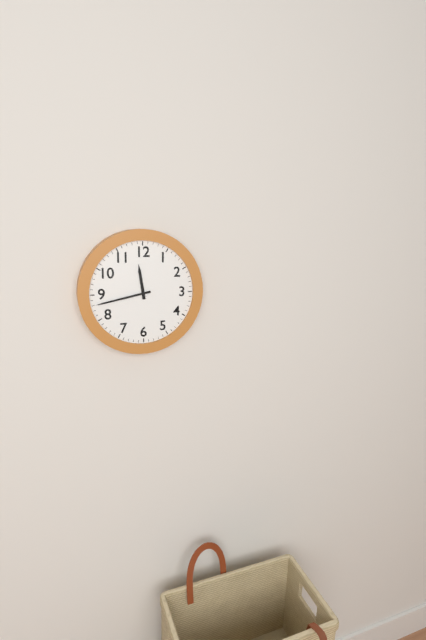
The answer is 11:43
